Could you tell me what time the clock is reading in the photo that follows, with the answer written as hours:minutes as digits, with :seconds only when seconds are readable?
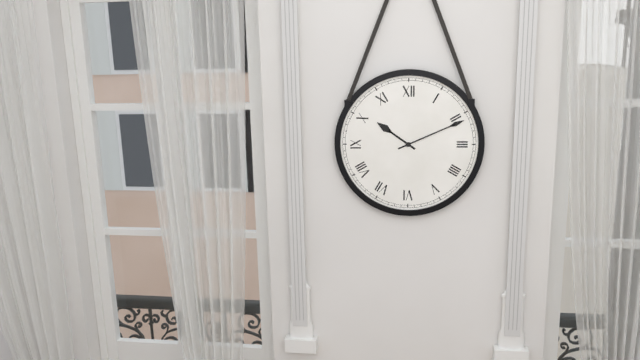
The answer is 10:11
